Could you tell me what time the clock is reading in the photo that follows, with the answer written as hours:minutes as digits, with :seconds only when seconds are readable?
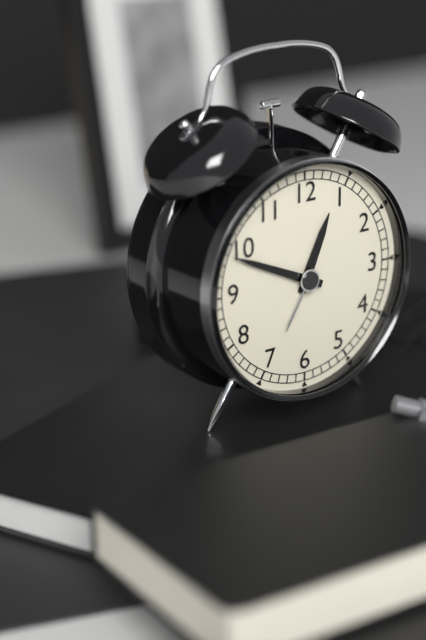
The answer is 12:49
